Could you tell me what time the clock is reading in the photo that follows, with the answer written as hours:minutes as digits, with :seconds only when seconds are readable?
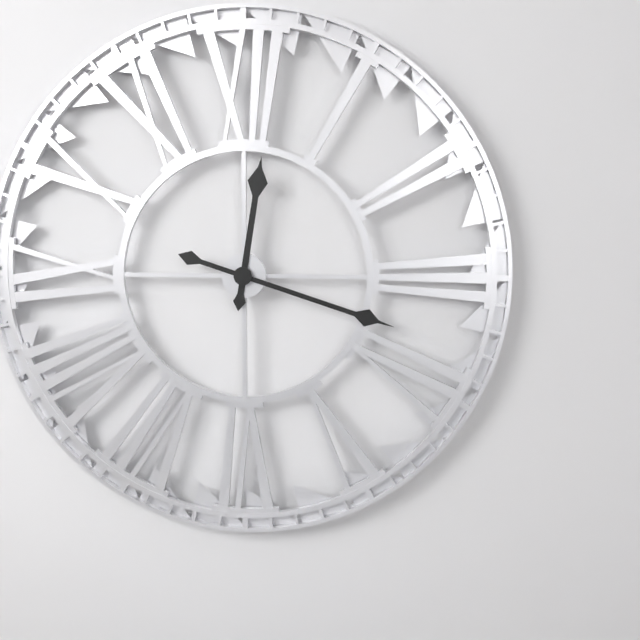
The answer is 12:18
